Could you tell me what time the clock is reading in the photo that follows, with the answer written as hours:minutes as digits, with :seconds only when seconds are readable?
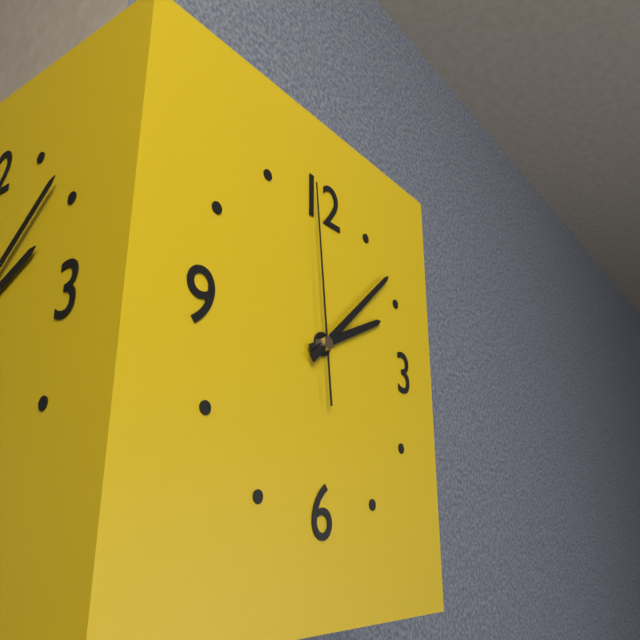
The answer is 2:08:59
